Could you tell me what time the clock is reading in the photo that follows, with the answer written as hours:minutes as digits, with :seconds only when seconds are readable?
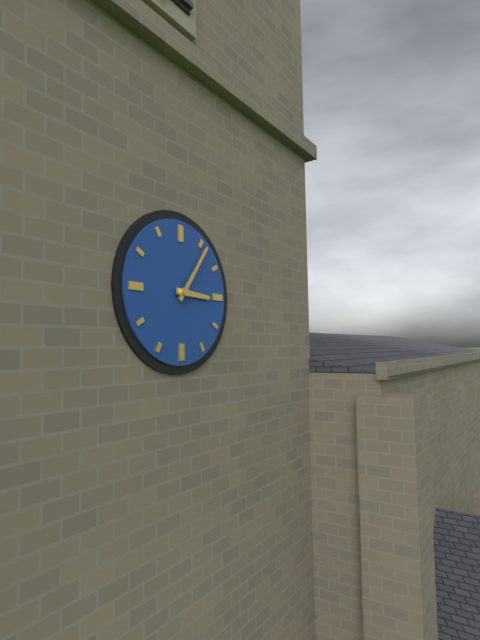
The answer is 3:06
